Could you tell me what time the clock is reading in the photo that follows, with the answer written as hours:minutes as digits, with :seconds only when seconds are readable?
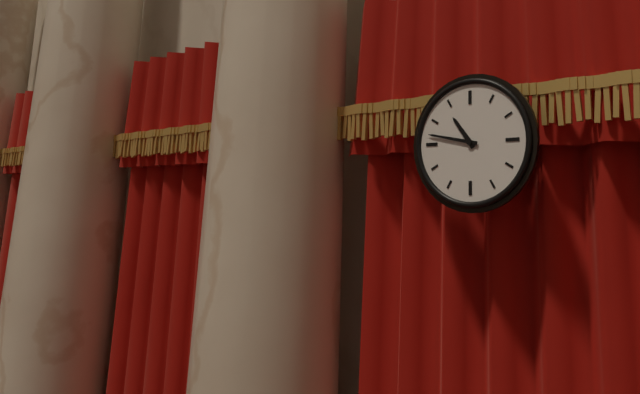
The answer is 10:47
